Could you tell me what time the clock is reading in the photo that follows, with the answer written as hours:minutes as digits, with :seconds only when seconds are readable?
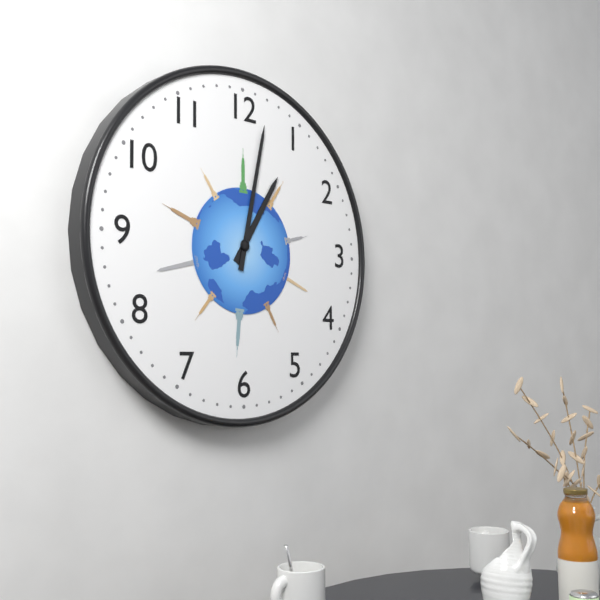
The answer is 1:02
